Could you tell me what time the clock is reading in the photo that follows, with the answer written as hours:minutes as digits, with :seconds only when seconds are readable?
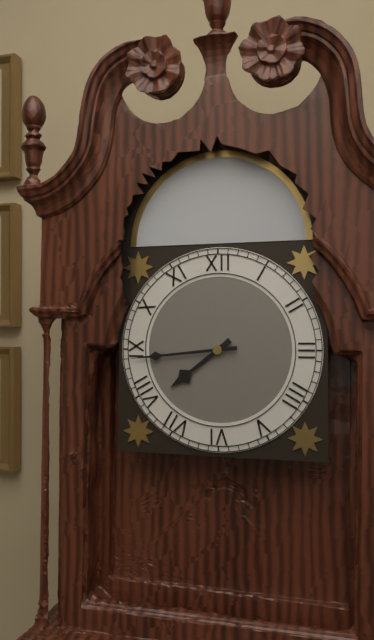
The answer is 7:44
